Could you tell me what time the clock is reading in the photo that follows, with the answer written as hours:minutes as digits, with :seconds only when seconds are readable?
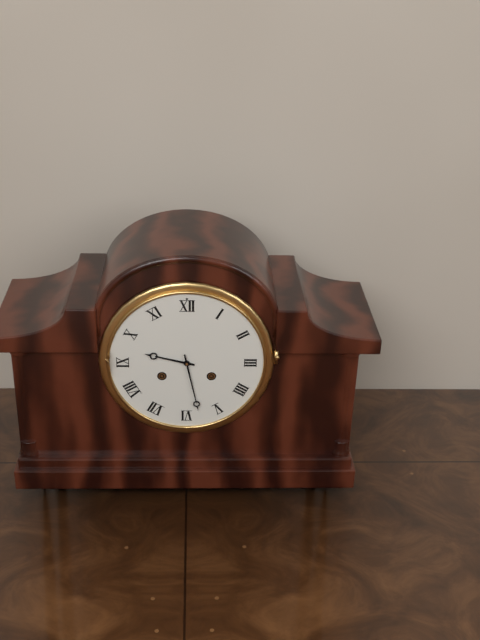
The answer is 9:28
